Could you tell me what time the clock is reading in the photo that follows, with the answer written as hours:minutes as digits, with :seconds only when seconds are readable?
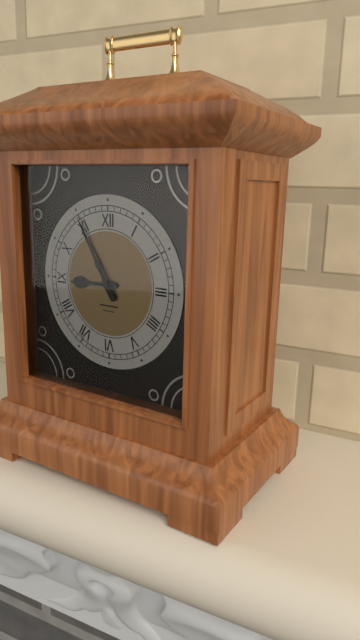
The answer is 8:55
